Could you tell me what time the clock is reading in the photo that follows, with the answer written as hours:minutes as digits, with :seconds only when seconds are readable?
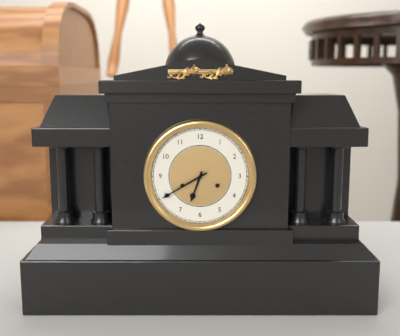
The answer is 6:40
